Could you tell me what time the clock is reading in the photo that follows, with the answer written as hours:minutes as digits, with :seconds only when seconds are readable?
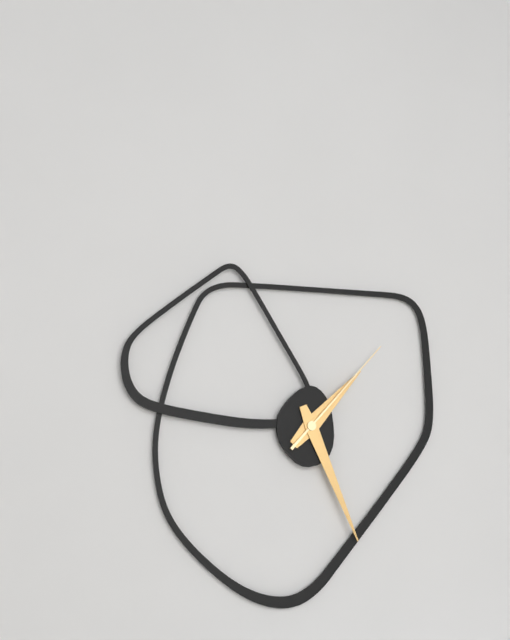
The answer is 1:26:07
